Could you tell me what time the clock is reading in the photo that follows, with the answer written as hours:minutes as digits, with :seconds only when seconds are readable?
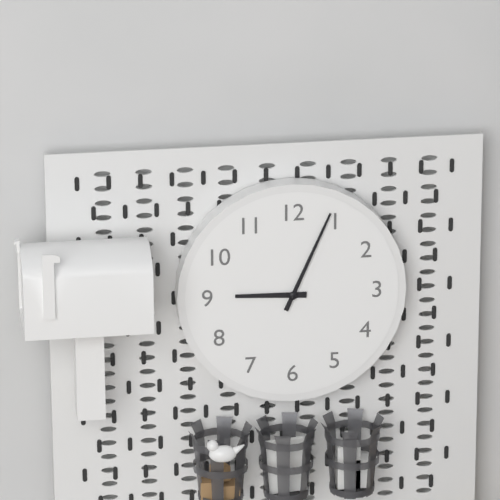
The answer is 9:04
